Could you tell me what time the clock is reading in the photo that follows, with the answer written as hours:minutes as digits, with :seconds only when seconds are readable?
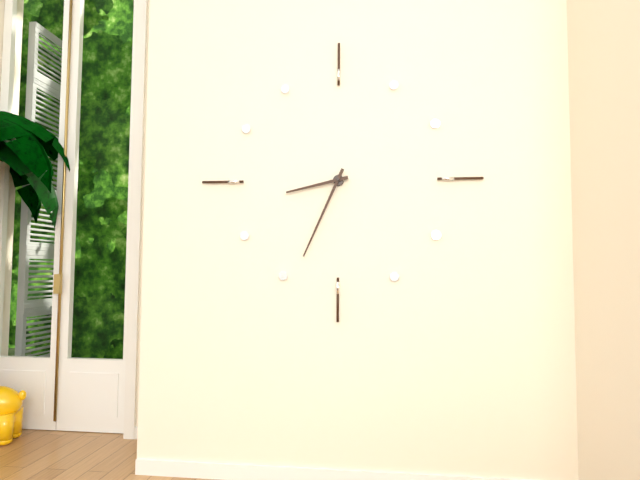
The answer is 8:34
